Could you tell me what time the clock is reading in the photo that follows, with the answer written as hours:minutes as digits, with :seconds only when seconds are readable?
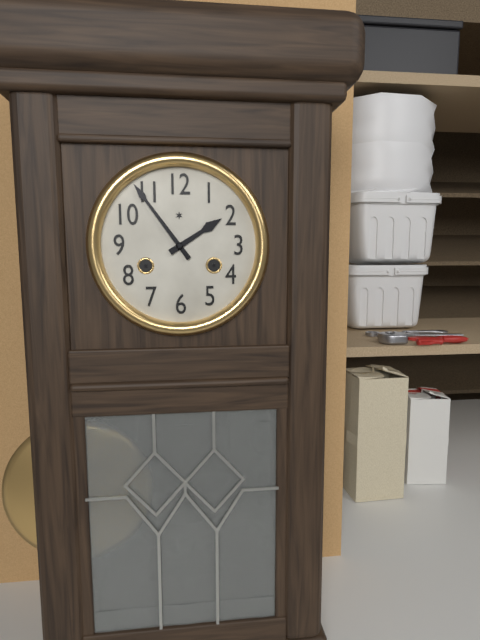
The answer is 1:54
